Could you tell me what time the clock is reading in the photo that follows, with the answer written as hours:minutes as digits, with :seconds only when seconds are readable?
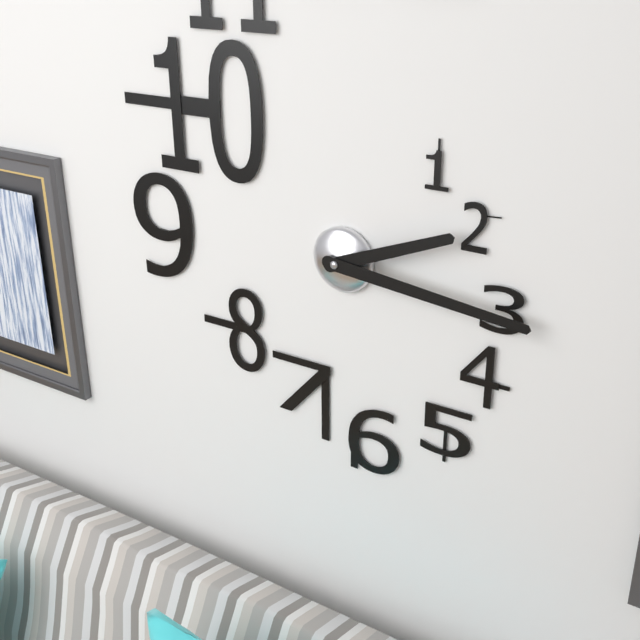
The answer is 2:16
